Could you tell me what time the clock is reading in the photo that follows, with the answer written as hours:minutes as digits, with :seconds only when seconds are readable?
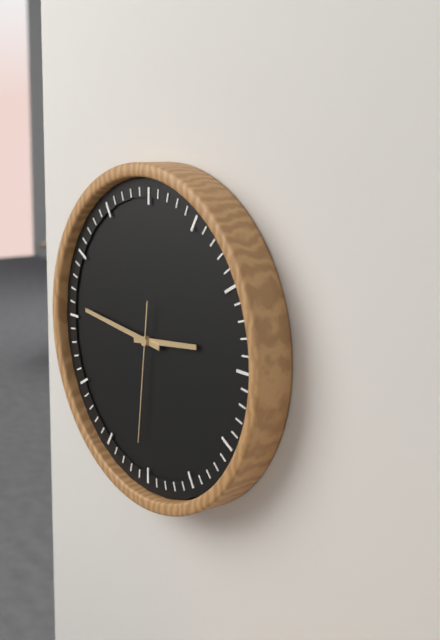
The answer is 2:46:31
